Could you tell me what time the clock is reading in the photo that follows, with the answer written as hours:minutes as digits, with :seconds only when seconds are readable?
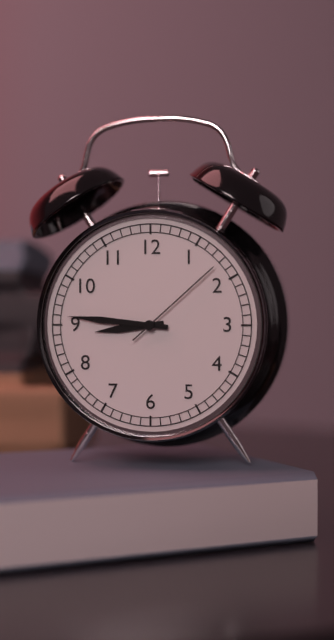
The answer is 8:46:08
